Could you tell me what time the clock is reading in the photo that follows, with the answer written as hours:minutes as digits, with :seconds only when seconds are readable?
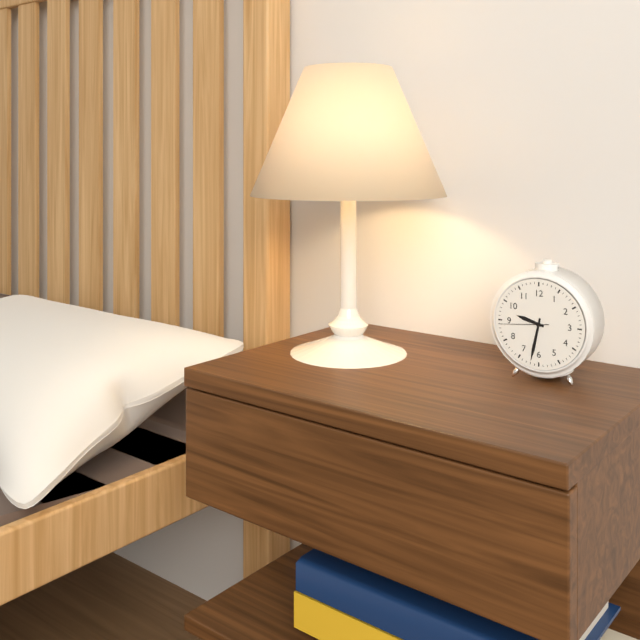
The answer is 9:32
